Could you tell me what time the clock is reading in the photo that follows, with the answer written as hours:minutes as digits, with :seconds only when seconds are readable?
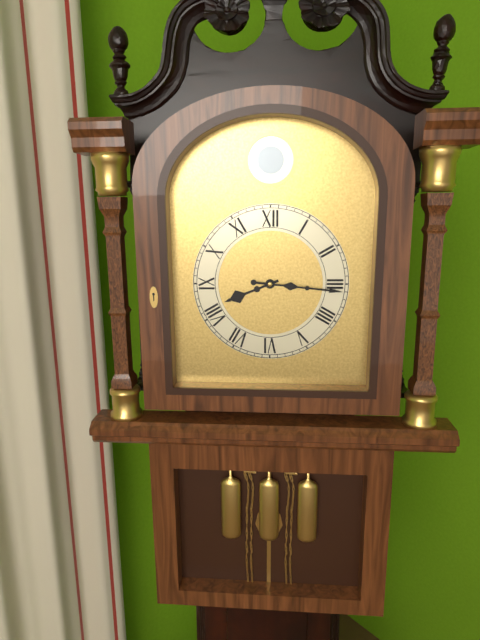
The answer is 8:16
